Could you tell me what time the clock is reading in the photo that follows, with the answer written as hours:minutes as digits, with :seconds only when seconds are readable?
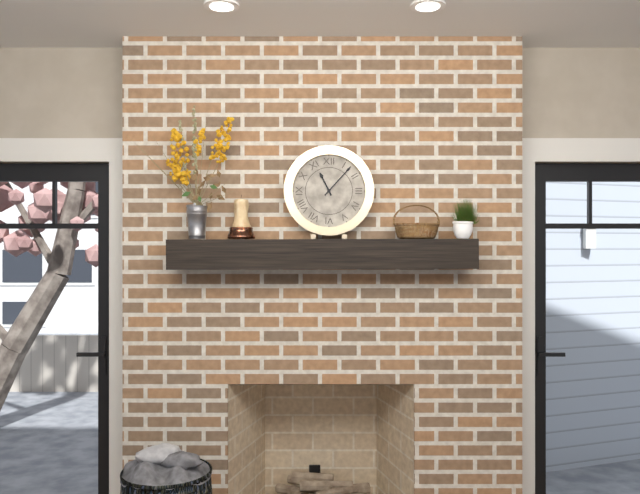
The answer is 11:07
